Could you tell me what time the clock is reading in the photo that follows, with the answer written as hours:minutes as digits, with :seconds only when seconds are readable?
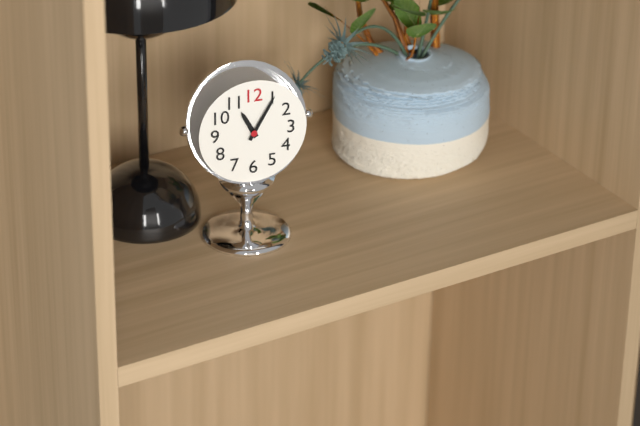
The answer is 11:05
